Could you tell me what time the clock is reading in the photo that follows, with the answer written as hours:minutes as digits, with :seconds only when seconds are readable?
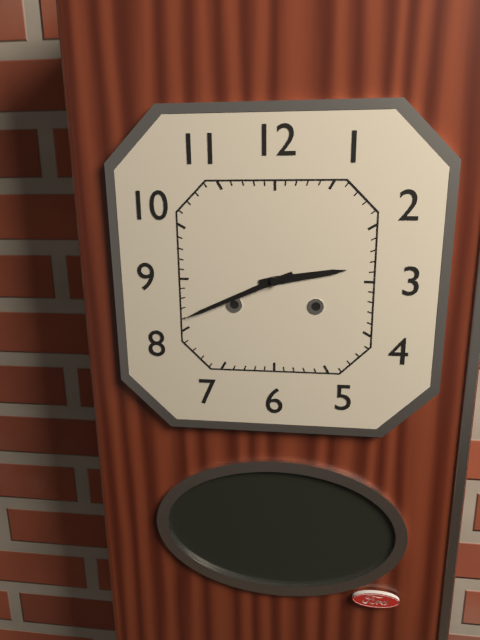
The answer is 2:41
